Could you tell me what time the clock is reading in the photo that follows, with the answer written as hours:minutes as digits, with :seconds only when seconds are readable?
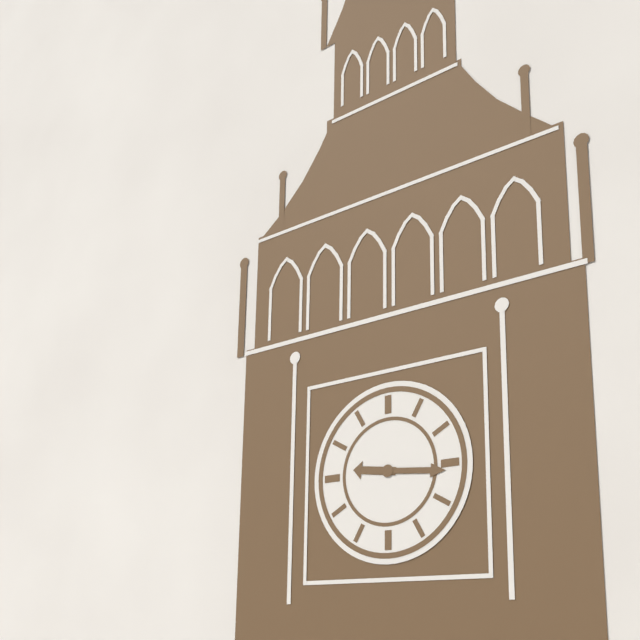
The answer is 9:16
